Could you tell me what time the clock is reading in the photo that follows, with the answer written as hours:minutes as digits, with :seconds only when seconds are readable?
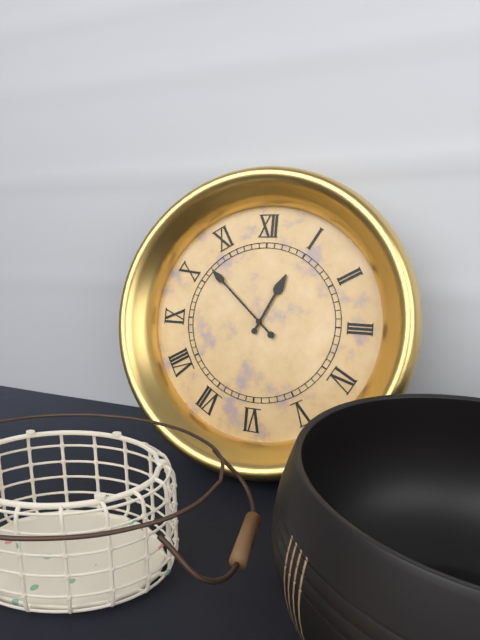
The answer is 12:52
